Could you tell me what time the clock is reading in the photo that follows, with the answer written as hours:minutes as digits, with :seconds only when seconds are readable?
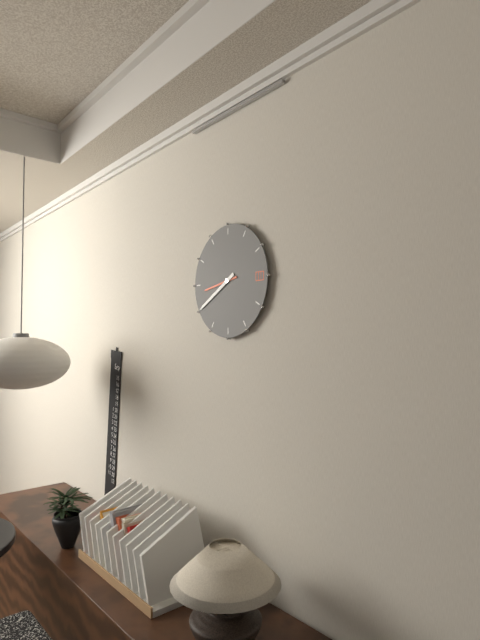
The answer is 8:40
